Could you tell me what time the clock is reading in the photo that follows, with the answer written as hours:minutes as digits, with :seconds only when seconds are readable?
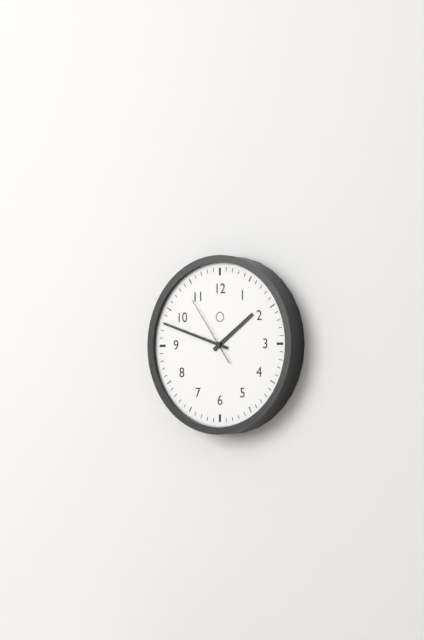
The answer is 1:48:54
